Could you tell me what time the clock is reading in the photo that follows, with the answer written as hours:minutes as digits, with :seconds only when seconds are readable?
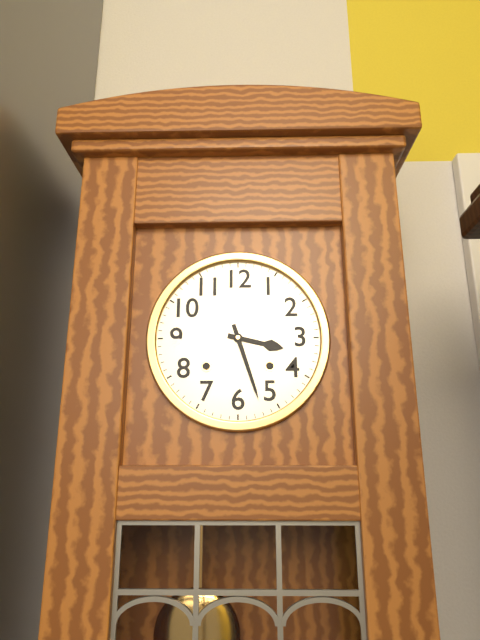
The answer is 3:27
